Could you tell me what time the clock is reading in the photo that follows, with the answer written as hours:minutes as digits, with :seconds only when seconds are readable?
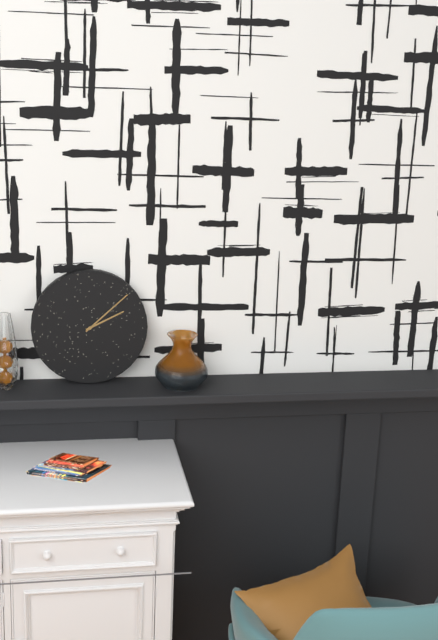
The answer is 2:08
